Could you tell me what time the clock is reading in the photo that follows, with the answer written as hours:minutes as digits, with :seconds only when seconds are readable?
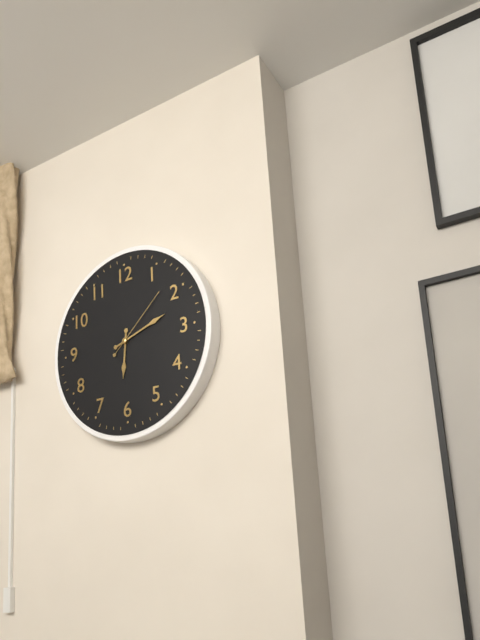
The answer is 6:12:08
